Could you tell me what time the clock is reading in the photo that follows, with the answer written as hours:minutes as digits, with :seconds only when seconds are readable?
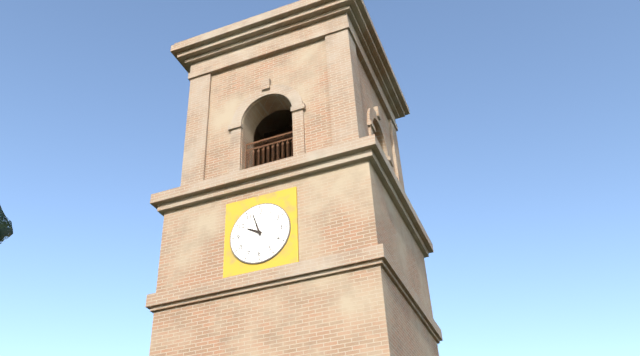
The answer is 9:57
